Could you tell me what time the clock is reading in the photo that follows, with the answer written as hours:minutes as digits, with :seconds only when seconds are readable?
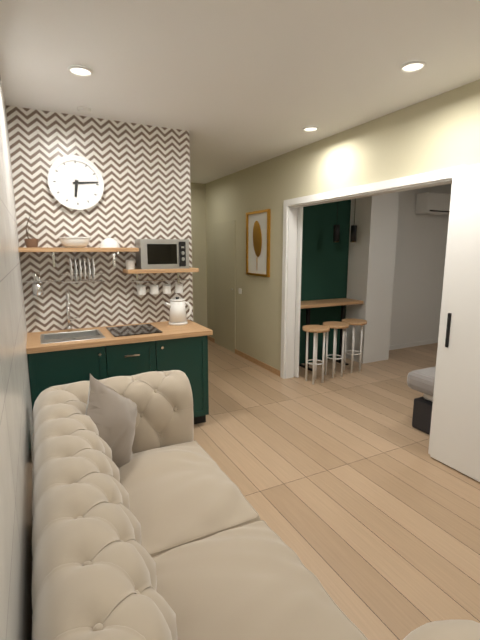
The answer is 6:14
